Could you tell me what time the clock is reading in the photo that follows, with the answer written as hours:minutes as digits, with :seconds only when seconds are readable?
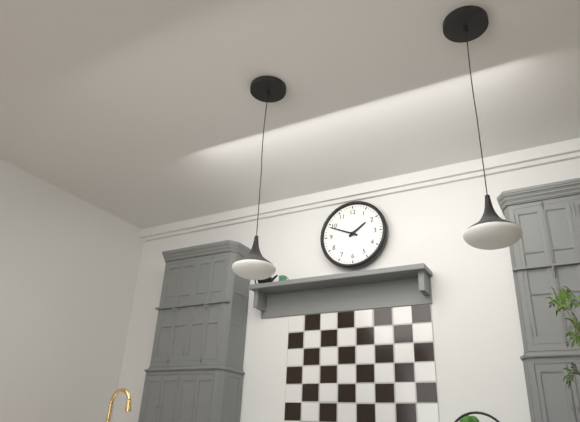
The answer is 1:49
